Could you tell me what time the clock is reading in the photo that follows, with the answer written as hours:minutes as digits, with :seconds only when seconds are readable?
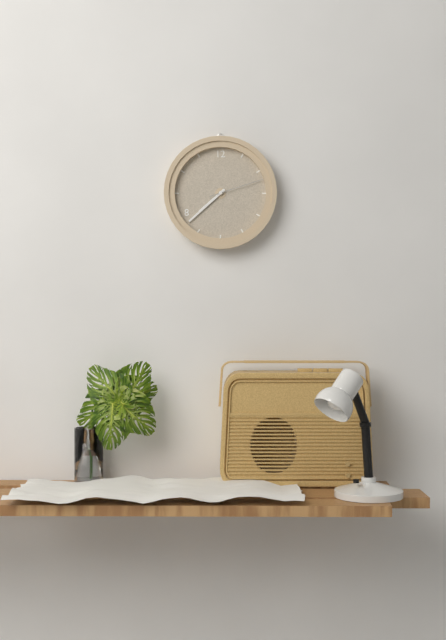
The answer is 7:38:12
